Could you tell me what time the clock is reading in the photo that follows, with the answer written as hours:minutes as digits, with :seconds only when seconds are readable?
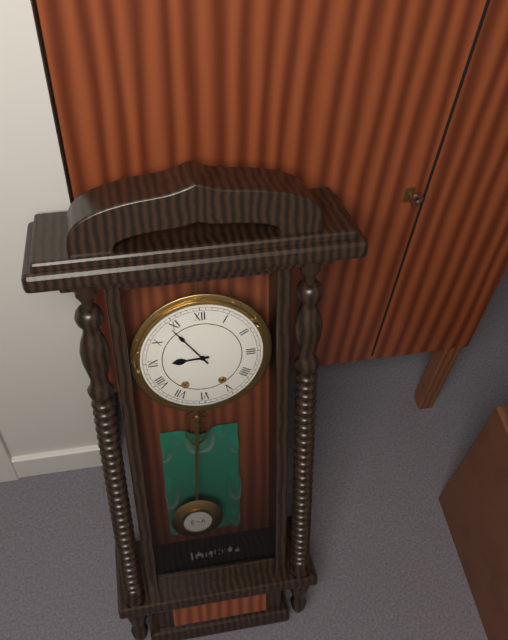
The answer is 8:54
